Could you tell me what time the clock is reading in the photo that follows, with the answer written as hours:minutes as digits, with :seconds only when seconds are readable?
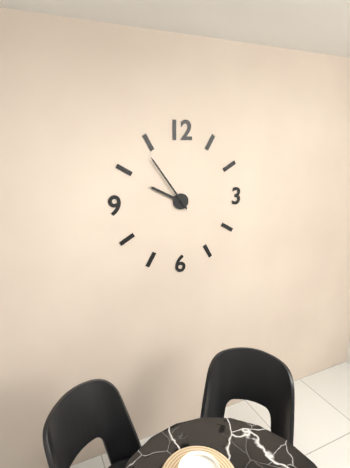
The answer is 9:54
